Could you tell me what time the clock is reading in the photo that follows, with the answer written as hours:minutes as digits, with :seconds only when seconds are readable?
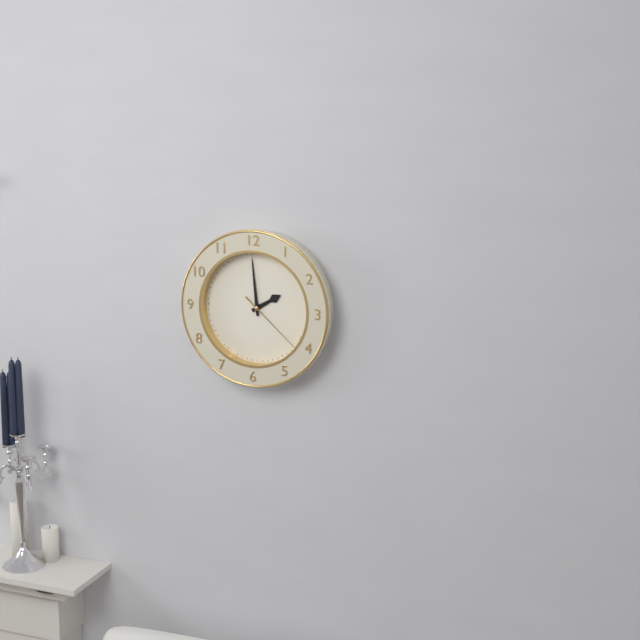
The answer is 1:59:22
